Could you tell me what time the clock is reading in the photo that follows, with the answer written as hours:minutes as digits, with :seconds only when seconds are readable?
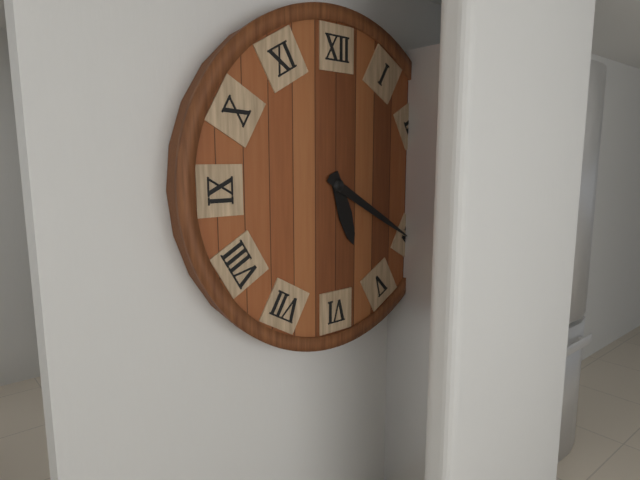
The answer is 5:20
